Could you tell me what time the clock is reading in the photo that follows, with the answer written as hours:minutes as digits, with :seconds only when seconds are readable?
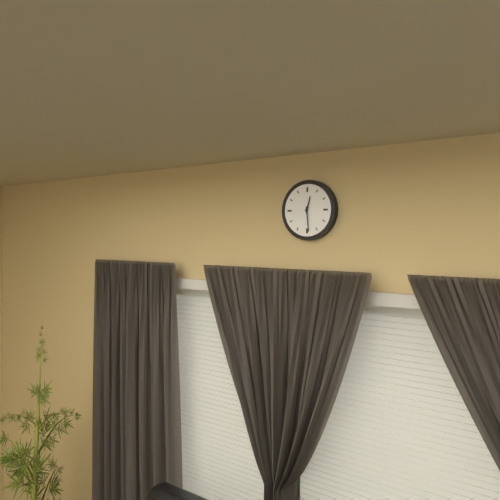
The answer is 12:29
